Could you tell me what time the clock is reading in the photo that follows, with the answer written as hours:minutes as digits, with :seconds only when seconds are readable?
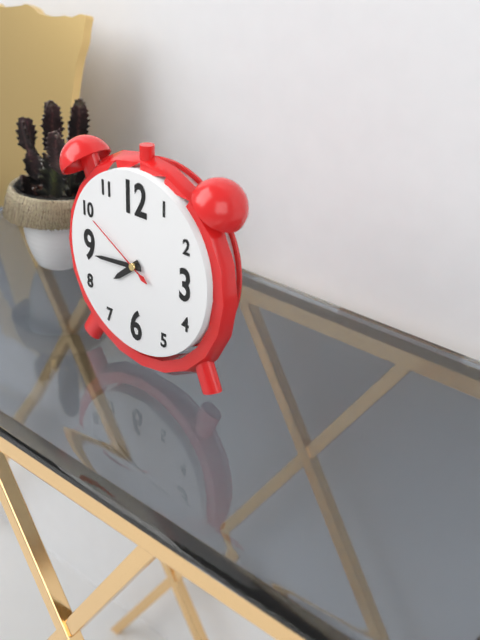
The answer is 7:44:50
